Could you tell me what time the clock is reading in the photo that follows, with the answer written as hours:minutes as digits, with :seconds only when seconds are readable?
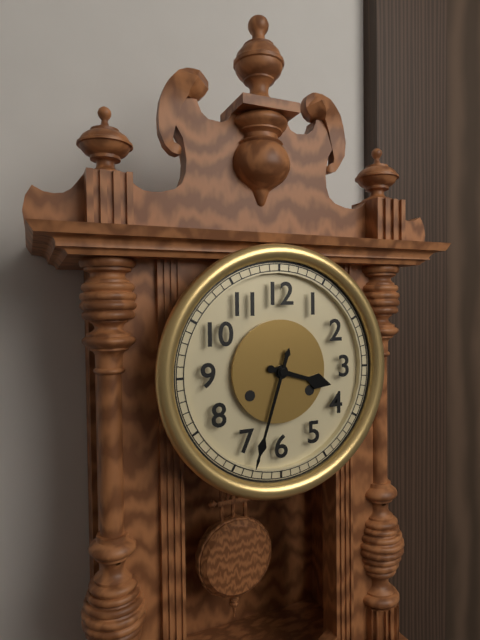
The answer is 3:33
